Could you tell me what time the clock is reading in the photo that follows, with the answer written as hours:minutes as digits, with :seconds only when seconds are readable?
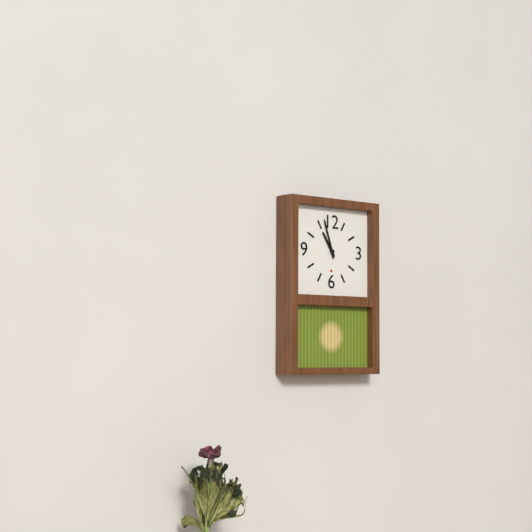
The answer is 10:57
